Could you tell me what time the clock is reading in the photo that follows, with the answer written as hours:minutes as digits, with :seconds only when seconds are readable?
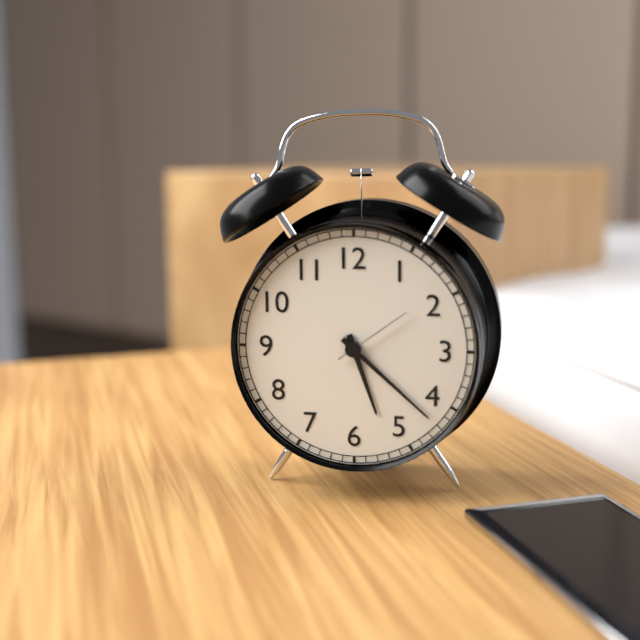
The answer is 5:22:09
